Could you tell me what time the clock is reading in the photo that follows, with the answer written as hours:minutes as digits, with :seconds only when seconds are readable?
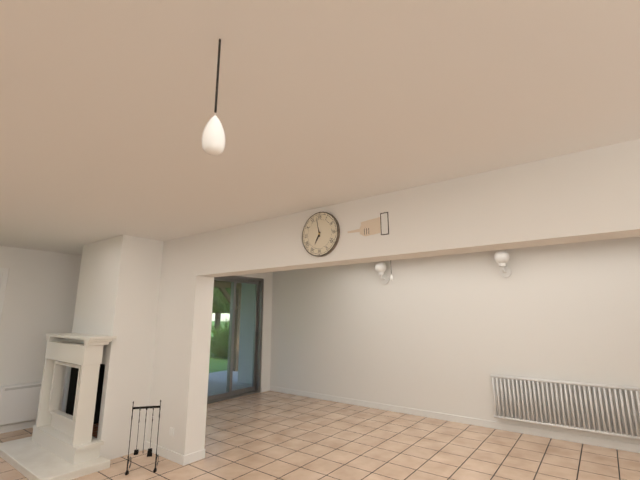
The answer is 6:58
